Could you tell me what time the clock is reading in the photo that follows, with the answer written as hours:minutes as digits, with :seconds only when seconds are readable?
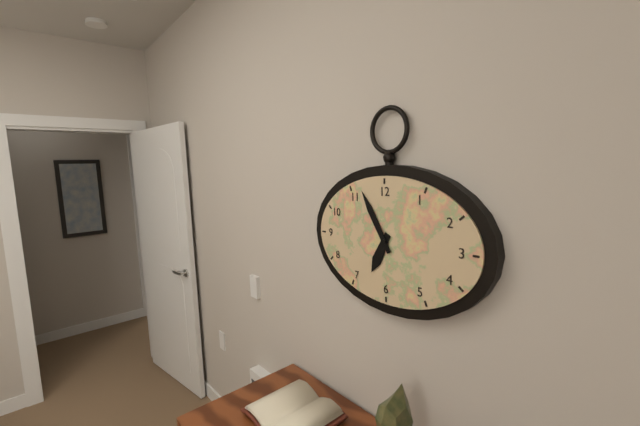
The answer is 6:55
